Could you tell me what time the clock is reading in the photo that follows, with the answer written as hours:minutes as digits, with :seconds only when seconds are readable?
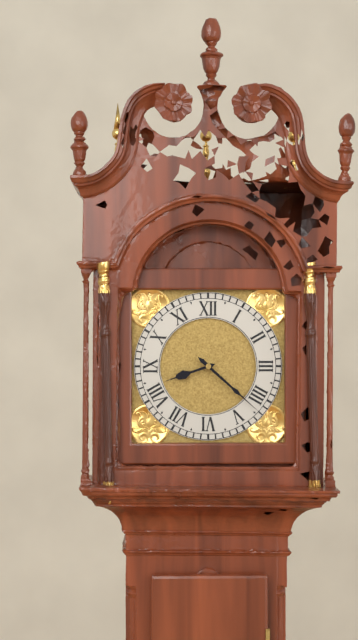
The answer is 8:22
